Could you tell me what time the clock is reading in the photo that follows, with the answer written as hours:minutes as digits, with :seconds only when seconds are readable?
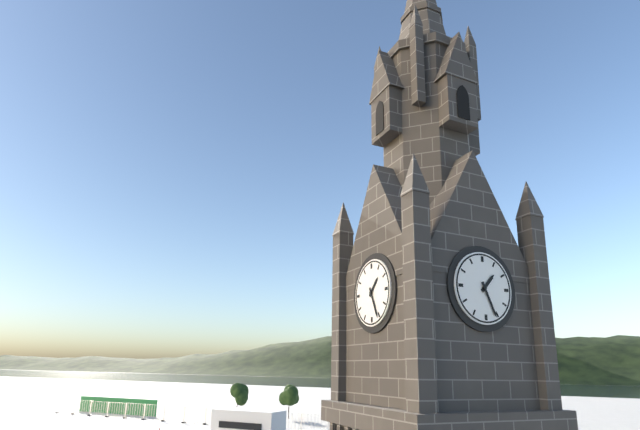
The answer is 1:26
